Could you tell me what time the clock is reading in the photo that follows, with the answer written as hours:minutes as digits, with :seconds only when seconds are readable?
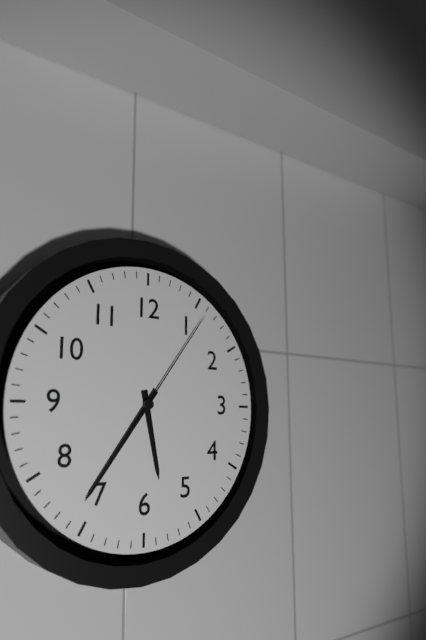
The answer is 5:36:06
